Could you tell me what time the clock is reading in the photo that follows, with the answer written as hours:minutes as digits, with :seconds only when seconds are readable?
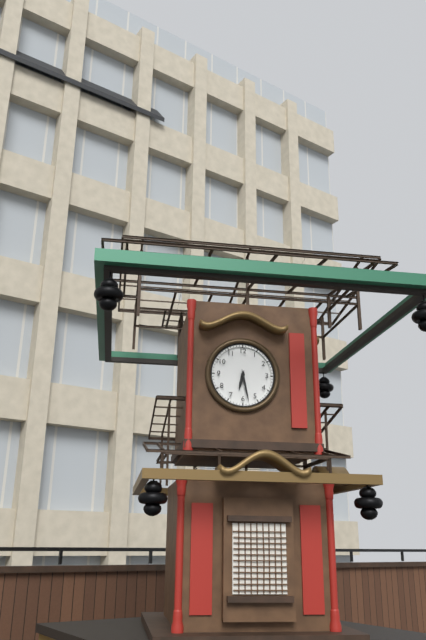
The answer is 6:28
